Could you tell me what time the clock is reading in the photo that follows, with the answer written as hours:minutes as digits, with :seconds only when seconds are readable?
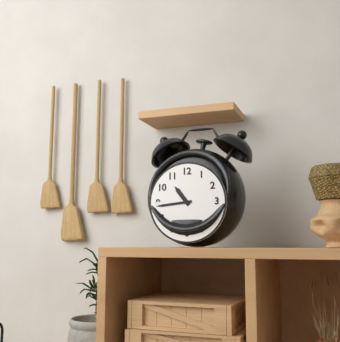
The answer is 10:44
